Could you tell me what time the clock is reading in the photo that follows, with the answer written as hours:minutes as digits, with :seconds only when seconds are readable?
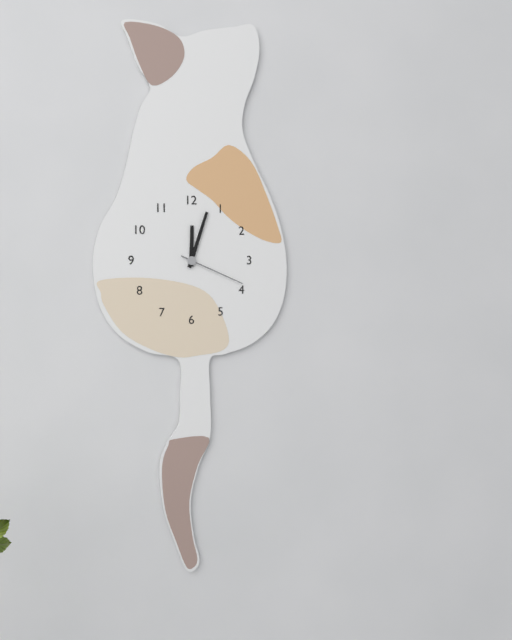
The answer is 12:03:19
